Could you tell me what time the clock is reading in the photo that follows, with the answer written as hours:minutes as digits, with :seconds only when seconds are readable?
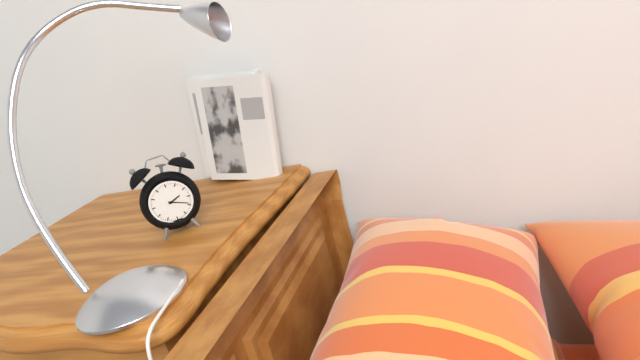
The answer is 2:19
